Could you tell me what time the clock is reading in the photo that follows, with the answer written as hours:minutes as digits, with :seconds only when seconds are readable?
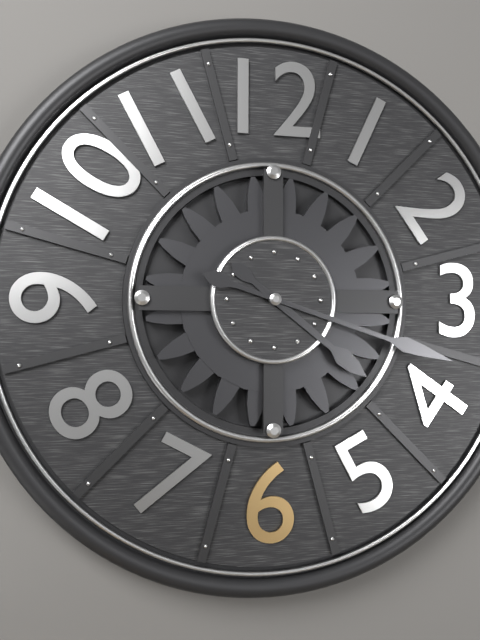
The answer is 4:18
